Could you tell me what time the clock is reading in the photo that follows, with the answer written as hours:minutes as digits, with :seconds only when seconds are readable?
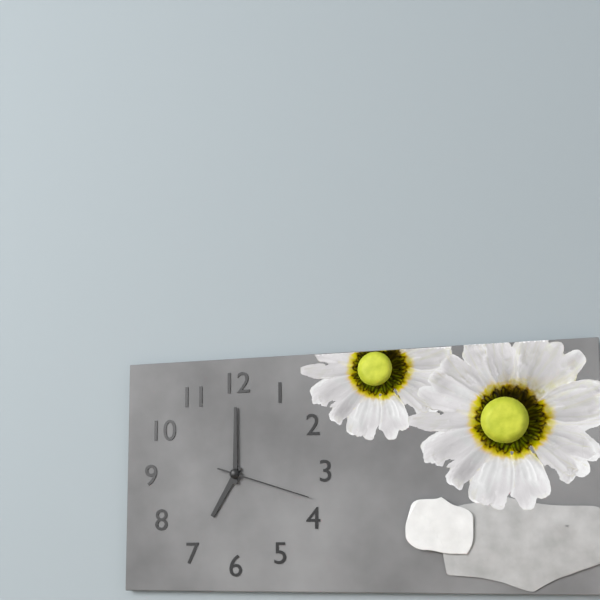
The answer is 7:00:18
